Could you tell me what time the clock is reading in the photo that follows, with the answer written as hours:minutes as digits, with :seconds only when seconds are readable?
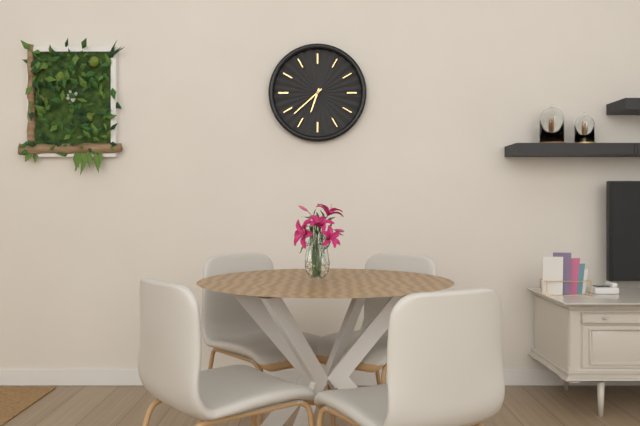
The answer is 6:38
